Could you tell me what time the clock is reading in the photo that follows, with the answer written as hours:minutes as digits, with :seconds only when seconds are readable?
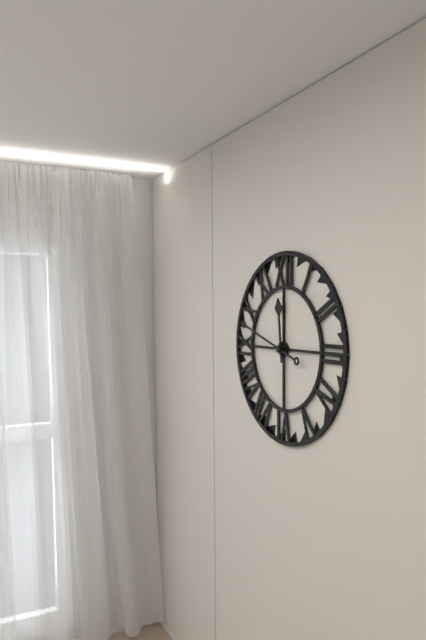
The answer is 11:48
